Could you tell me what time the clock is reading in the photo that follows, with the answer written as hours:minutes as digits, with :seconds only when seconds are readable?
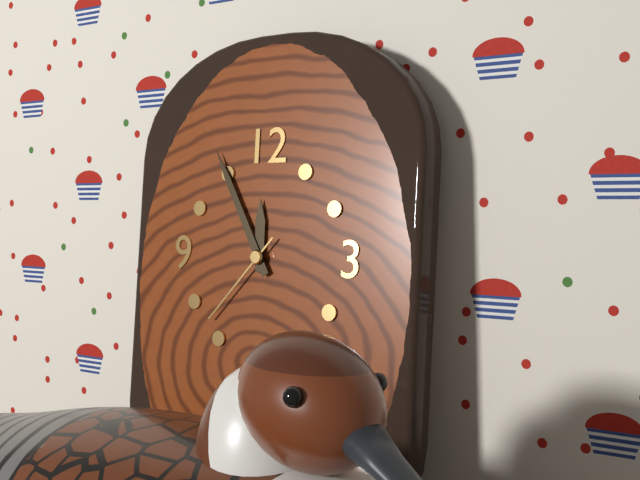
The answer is 11:55:37
